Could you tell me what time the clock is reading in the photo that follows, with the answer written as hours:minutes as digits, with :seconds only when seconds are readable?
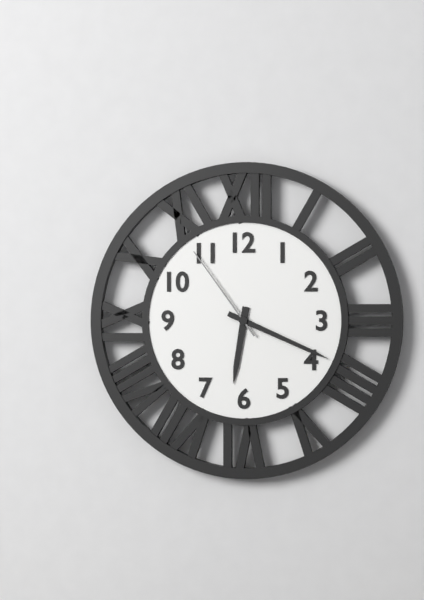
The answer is 6:19:54
